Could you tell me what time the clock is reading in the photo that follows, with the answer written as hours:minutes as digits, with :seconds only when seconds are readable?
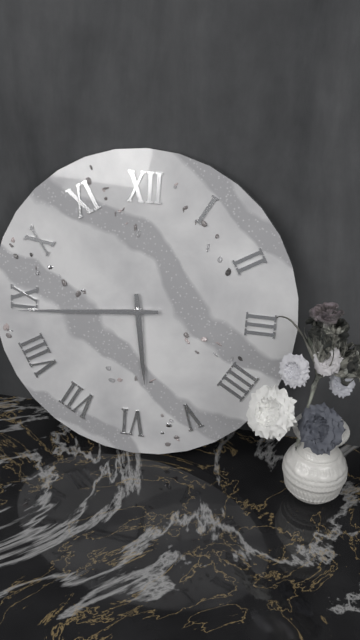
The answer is 5:44
